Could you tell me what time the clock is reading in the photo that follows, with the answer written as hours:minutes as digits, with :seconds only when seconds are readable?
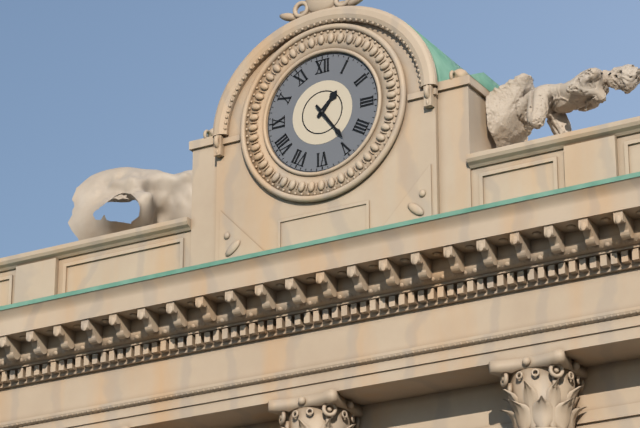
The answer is 1:24
